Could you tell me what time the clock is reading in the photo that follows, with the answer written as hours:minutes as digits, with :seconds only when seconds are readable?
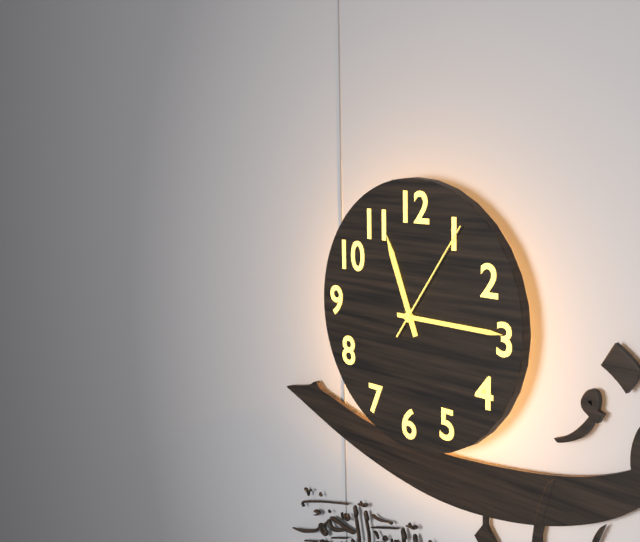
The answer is 11:15:06
